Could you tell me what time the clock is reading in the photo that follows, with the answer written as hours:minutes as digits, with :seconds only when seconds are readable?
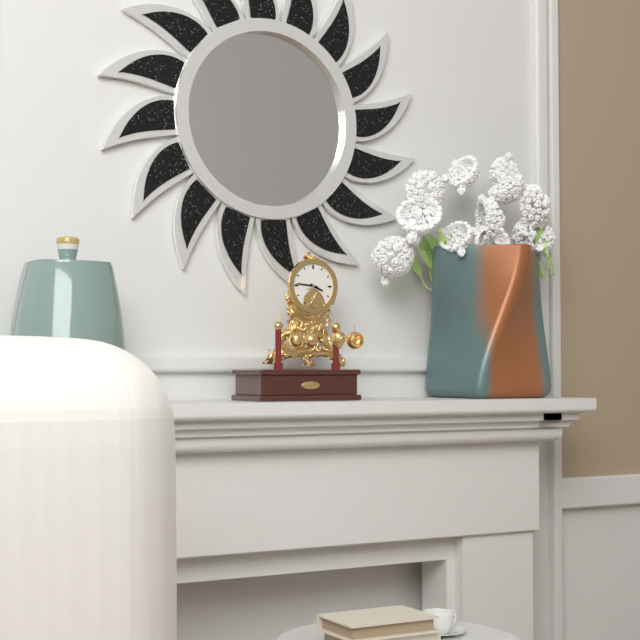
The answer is 3:46
